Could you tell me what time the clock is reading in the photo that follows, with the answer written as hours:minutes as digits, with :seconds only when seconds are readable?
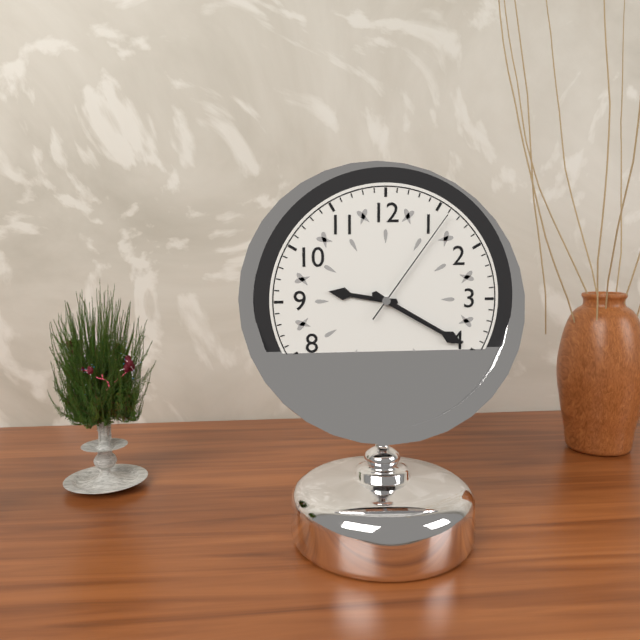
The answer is 9:20:06
